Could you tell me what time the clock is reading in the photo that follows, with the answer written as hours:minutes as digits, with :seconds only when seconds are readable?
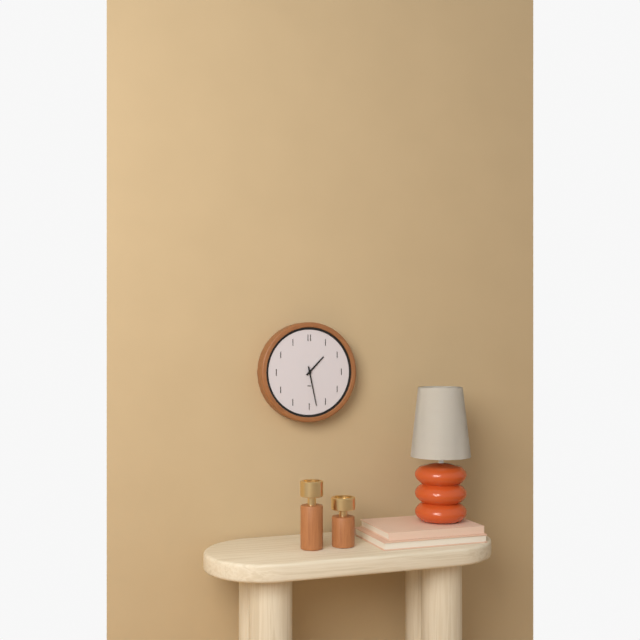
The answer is 1:28
